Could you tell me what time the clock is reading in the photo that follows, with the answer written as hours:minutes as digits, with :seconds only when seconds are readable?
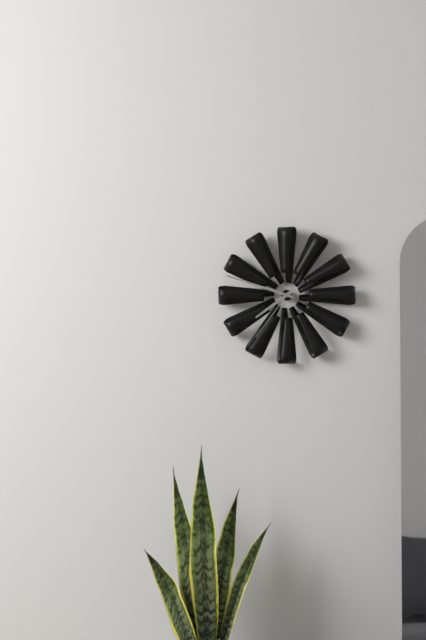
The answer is 7:48:36
